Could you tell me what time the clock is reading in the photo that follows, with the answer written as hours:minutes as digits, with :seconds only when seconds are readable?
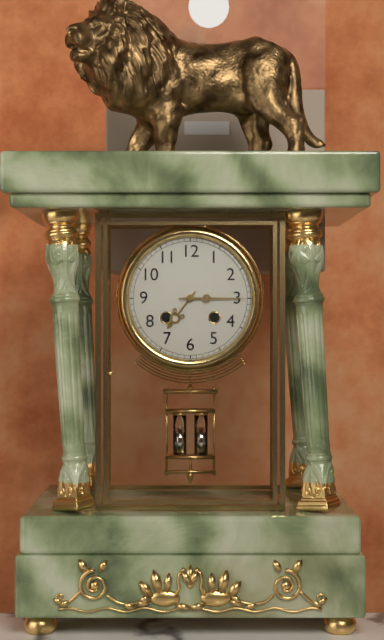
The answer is 7:15
